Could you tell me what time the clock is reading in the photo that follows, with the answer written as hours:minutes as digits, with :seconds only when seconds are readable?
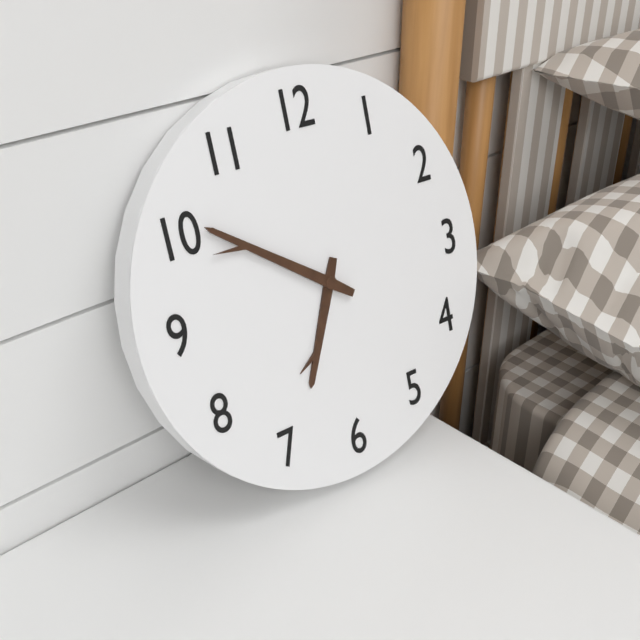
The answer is 6:51
